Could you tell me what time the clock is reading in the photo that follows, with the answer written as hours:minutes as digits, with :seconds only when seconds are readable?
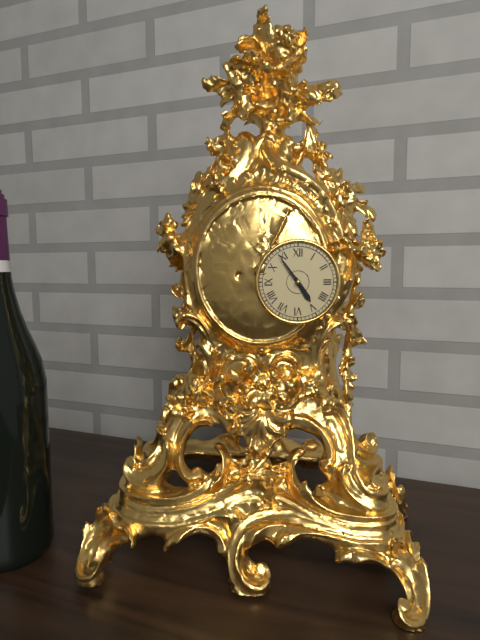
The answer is 4:54
